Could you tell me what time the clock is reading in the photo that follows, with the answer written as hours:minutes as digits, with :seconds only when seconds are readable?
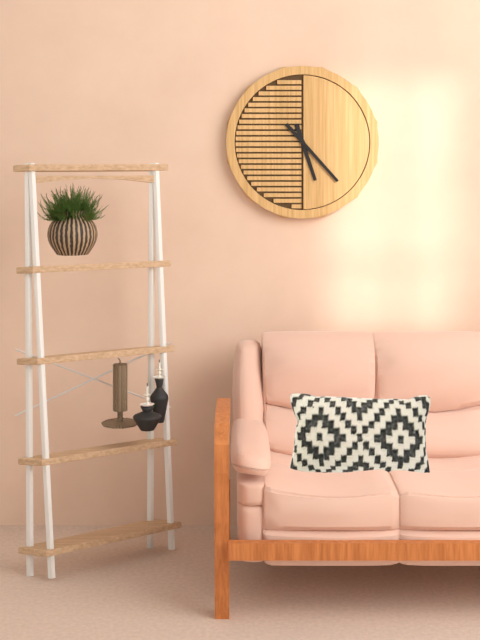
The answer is 5:23
